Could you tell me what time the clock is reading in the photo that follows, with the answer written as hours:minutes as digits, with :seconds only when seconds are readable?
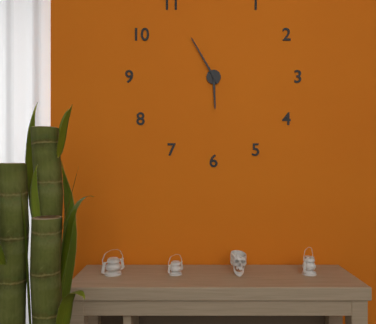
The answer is 5:55
